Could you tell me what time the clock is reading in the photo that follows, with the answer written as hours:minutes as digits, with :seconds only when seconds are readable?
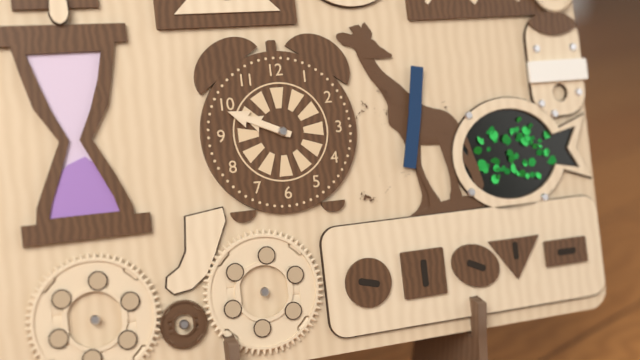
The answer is 9:49
